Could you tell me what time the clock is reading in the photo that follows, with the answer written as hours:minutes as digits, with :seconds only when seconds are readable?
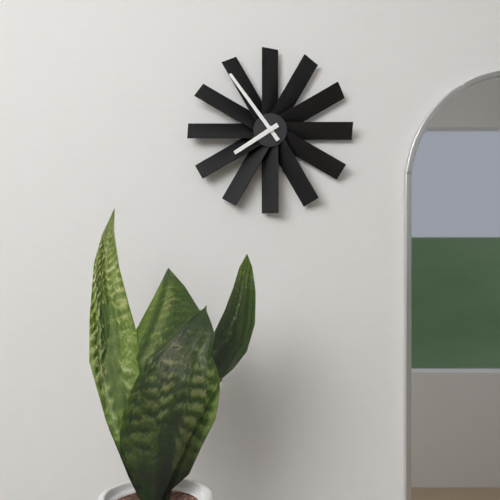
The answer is 7:54
